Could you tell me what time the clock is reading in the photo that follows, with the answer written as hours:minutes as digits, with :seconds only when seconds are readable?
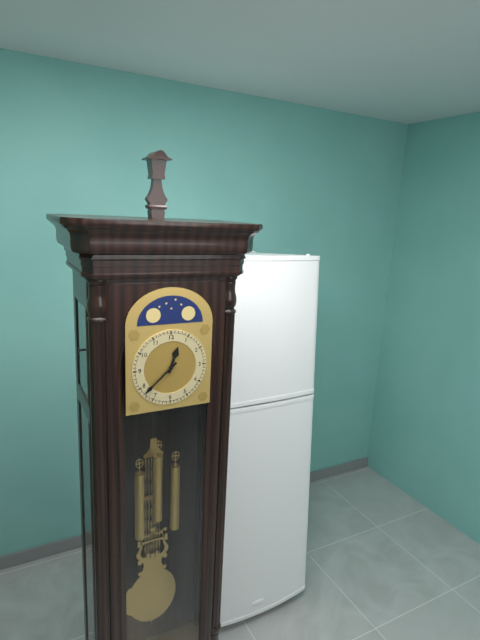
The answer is 12:38
